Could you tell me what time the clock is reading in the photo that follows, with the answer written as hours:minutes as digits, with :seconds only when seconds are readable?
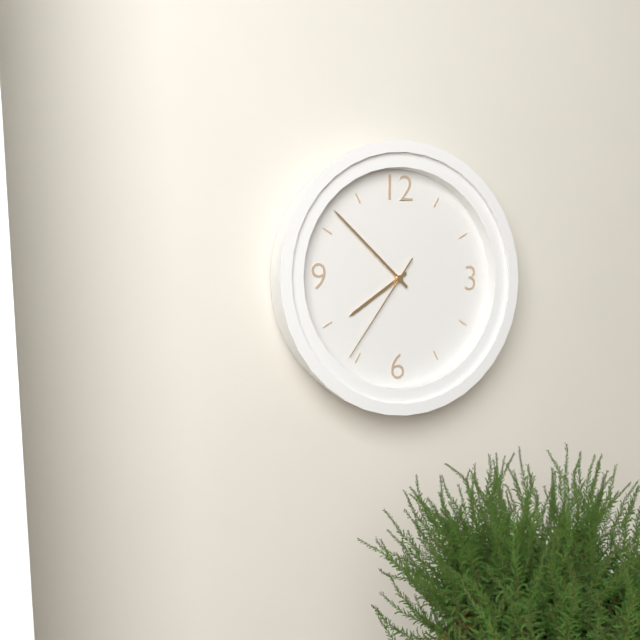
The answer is 7:52:36
